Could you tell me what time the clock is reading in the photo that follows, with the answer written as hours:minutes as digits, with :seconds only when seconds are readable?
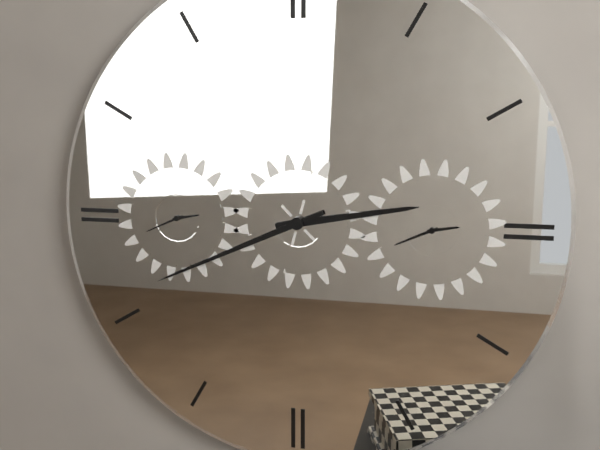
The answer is 2:41
